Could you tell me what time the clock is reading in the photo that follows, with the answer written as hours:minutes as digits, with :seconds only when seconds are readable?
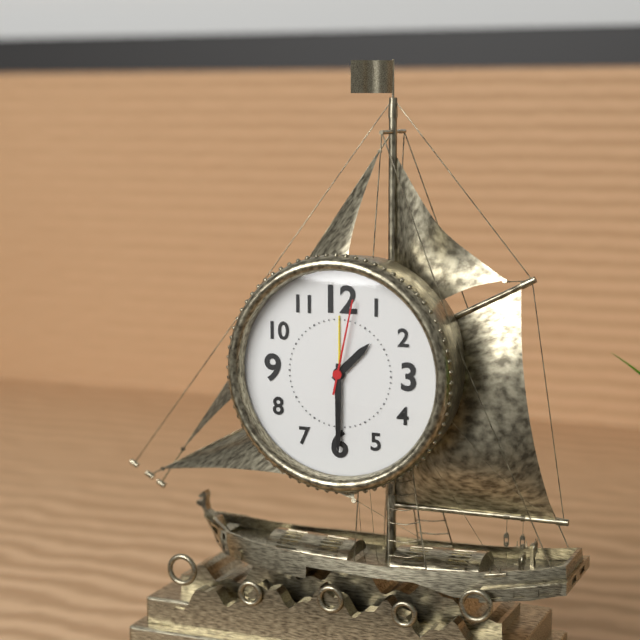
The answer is 1:30:02
